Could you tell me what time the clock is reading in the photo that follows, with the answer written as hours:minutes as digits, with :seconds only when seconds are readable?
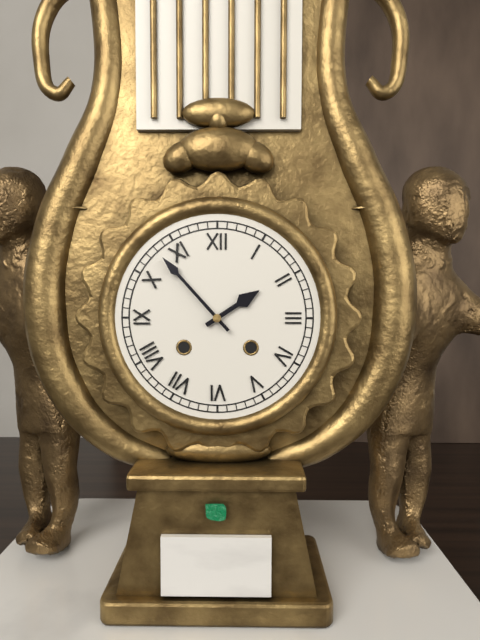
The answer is 1:53
